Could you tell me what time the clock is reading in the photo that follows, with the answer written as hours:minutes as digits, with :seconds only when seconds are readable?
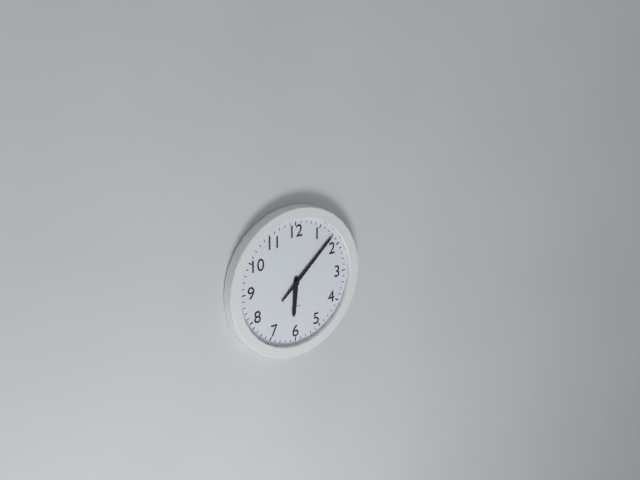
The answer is 6:08
